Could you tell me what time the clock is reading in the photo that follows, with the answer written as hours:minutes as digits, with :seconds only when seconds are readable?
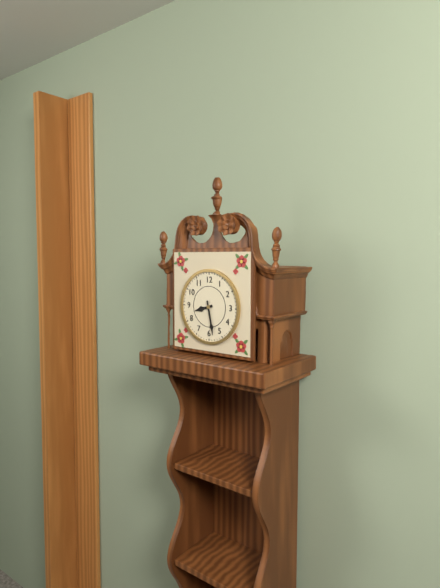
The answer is 8:28
